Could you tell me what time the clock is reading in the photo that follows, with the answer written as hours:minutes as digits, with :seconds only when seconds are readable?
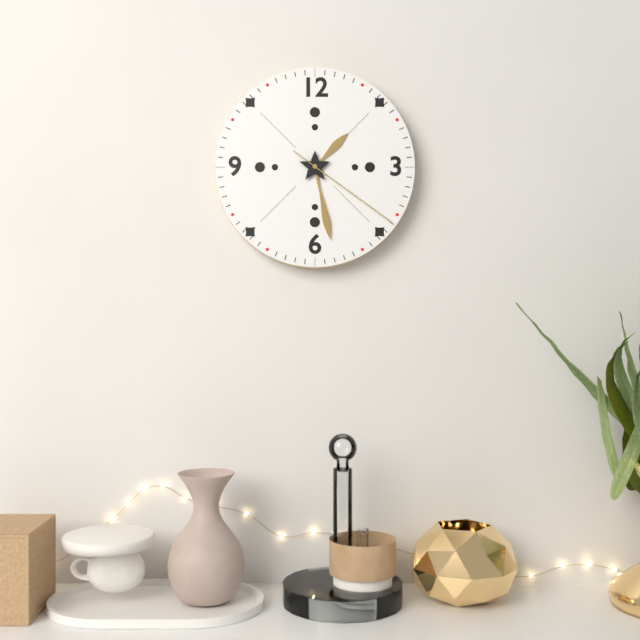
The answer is 1:28:21
